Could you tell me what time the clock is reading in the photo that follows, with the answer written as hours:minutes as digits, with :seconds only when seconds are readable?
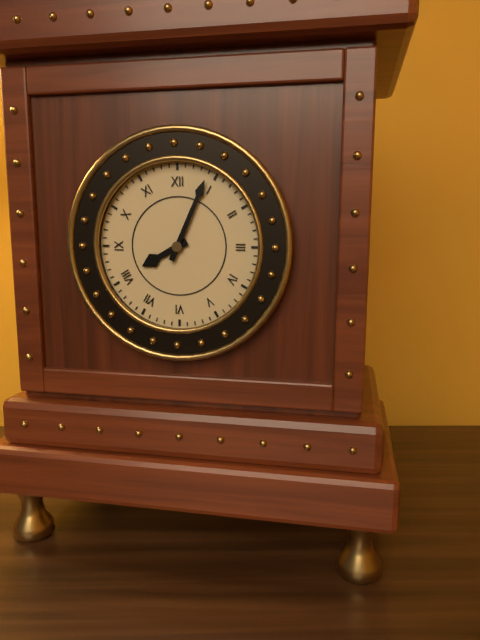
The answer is 8:04
